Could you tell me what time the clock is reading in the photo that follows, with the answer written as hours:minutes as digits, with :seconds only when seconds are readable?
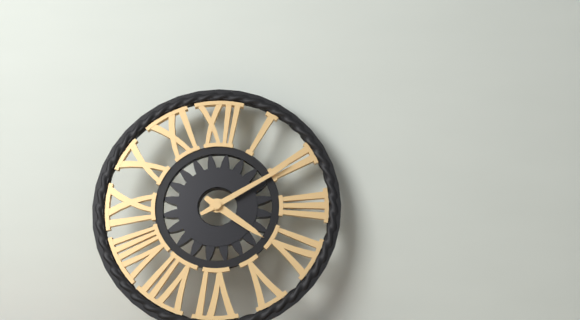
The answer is 4:10
